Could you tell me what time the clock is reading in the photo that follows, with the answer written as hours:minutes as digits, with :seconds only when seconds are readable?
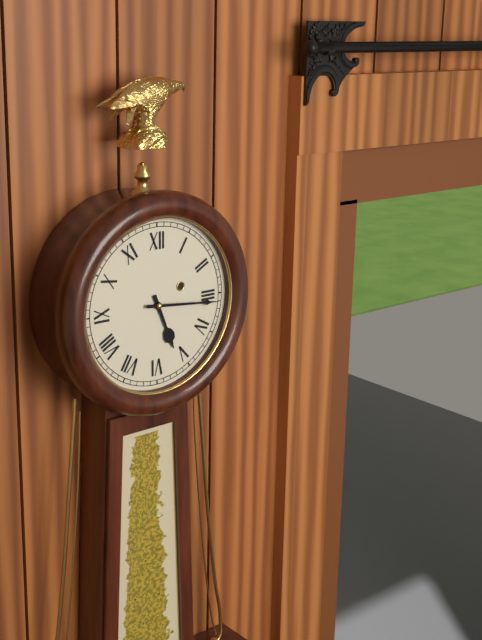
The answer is 5:16
